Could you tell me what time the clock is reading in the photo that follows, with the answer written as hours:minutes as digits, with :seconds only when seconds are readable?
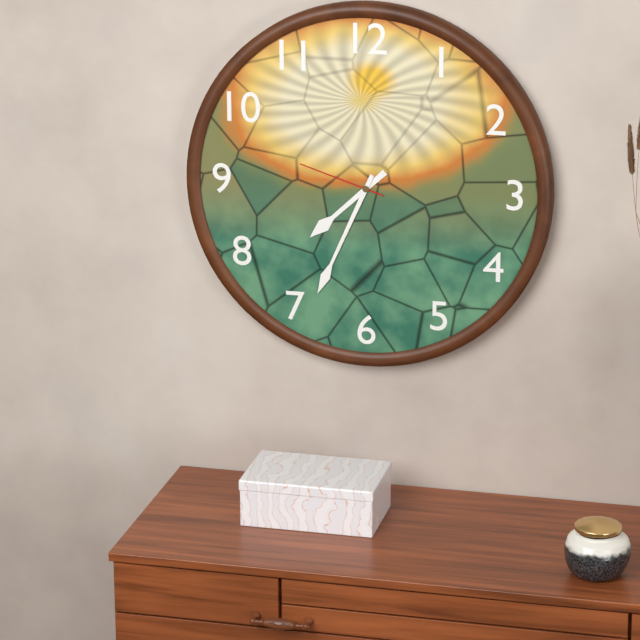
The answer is 7:34:48
